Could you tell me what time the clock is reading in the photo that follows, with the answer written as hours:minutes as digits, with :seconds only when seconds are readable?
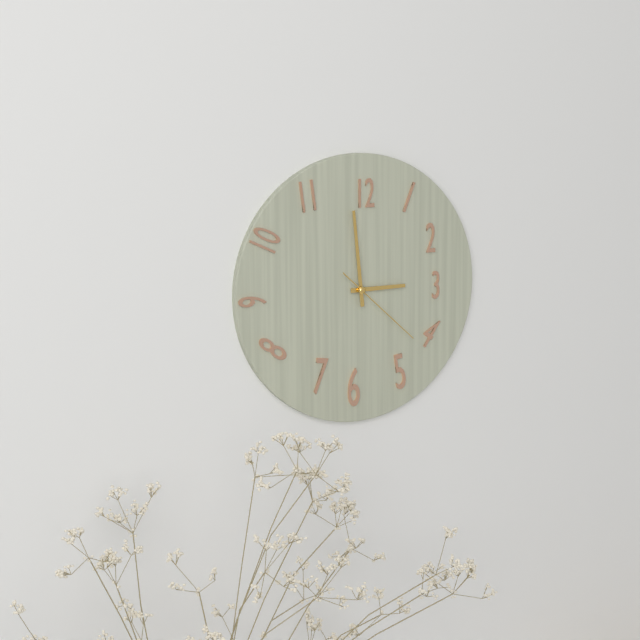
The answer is 2:59:22
